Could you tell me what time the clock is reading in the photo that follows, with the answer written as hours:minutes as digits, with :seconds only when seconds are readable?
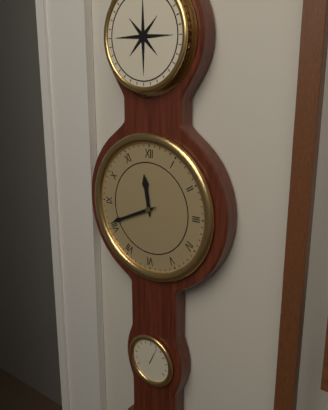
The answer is 11:41
